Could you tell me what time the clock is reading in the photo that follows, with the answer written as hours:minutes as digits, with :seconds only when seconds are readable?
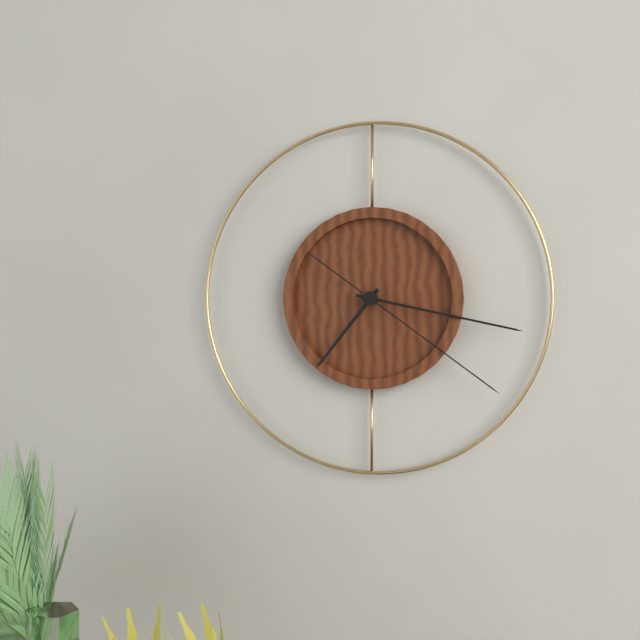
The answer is 7:17:21
